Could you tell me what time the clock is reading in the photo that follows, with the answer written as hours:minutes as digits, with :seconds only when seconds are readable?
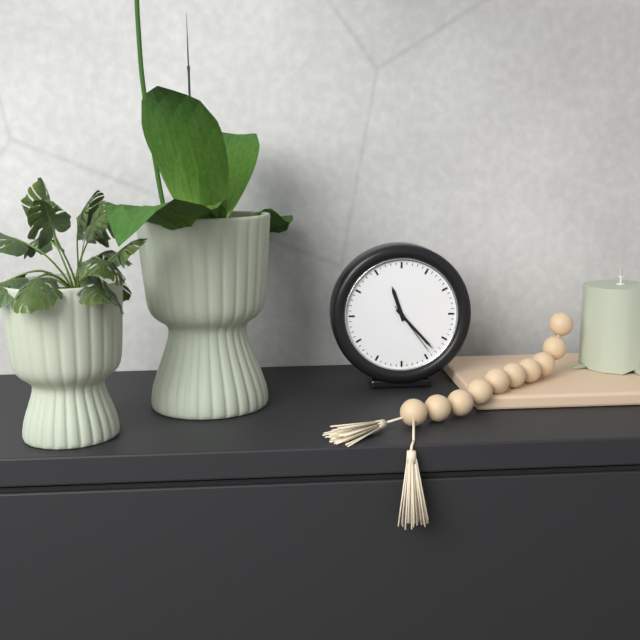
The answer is 11:23:24
